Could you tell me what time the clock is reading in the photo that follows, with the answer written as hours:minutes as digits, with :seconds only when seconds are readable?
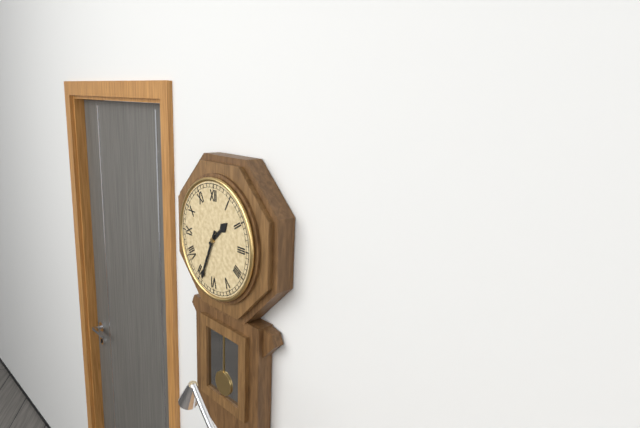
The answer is 1:34
